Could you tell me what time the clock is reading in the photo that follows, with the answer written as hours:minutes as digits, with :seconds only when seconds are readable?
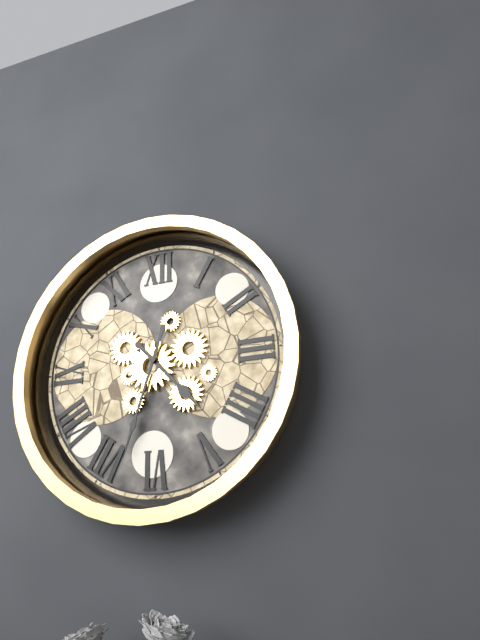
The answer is 4:33
